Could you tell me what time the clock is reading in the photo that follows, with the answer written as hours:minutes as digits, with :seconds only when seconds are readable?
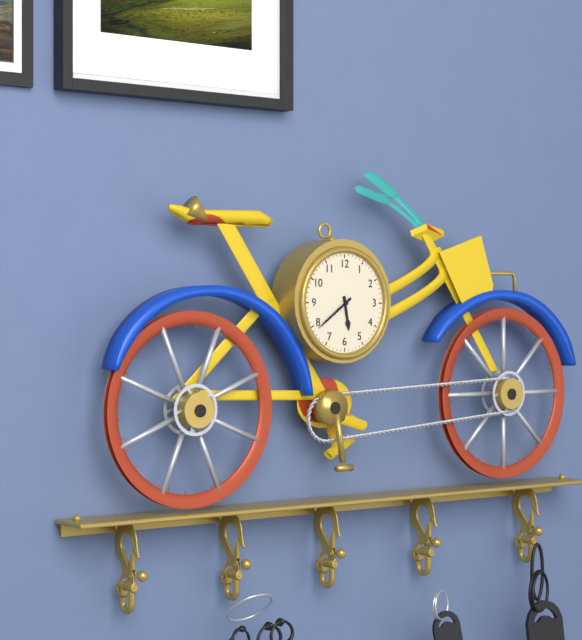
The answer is 5:39
